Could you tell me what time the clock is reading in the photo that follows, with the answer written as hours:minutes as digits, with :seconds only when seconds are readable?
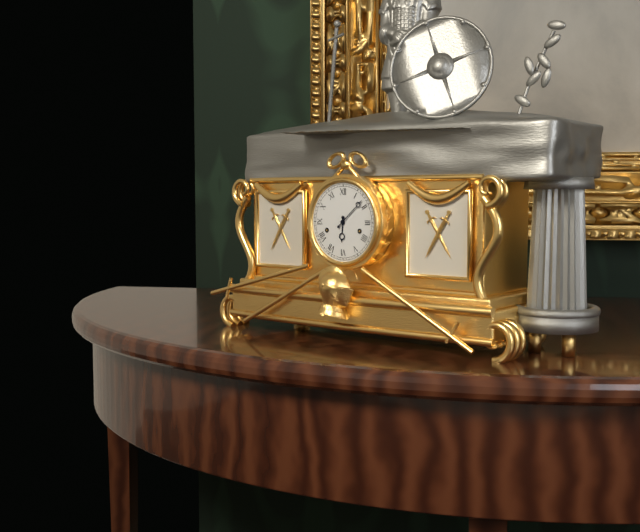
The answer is 6:08
